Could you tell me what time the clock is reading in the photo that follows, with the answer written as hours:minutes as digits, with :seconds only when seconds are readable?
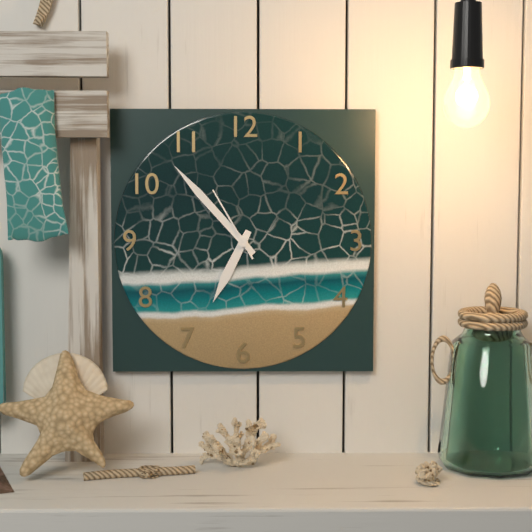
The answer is 6:53:55
